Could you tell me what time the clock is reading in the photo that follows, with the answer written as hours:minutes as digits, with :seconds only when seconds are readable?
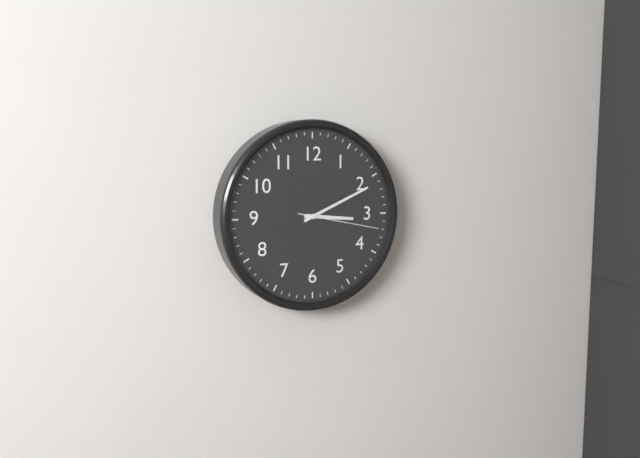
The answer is 3:11:17
